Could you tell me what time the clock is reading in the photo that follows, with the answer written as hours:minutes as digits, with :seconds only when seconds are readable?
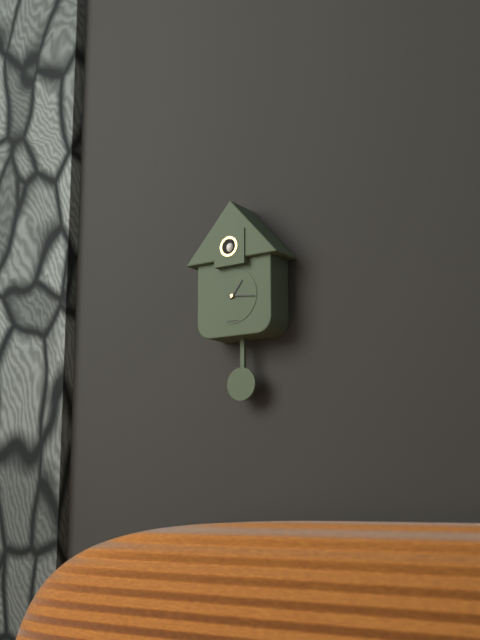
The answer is 1:16
